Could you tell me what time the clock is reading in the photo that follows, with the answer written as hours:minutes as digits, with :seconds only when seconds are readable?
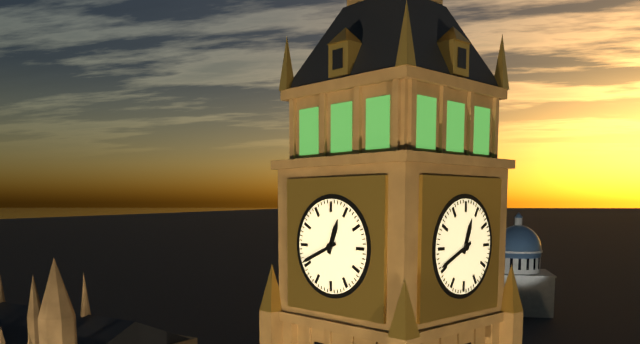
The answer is 12:41
